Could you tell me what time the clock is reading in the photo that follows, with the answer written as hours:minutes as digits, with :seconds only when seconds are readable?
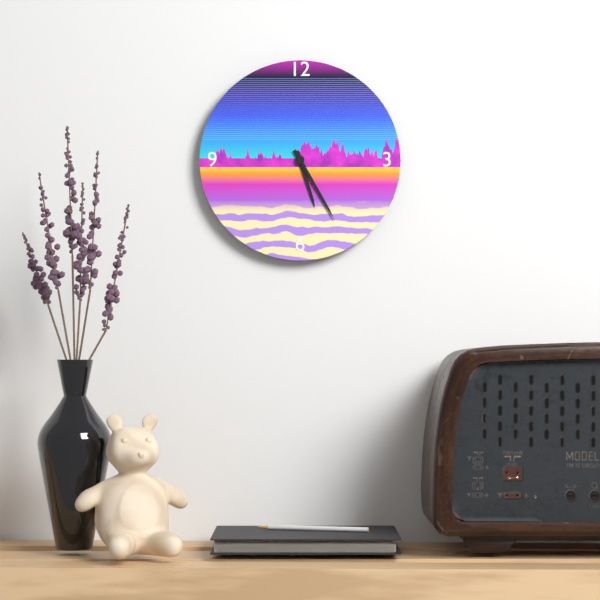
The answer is 5:25
